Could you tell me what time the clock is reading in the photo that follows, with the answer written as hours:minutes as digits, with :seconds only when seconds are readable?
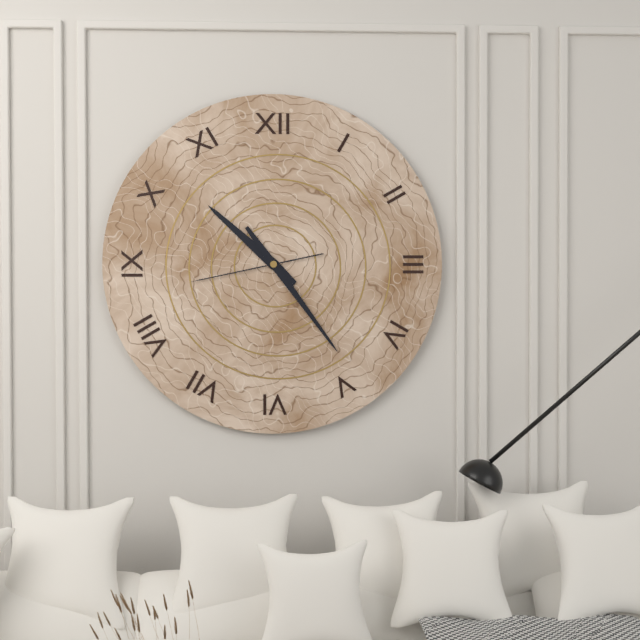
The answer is 10:24:43
